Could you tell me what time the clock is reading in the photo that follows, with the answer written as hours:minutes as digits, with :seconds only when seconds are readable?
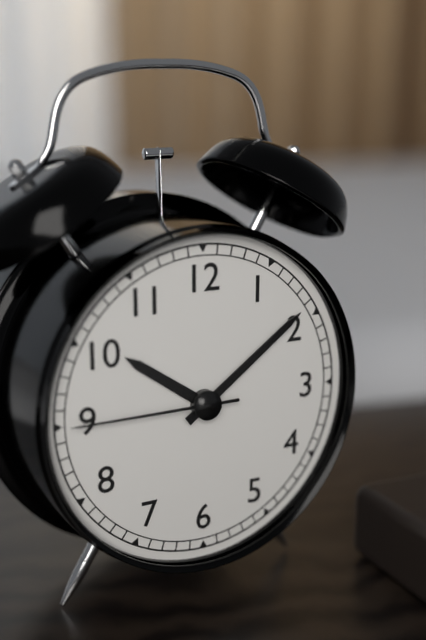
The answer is 10:09:45
